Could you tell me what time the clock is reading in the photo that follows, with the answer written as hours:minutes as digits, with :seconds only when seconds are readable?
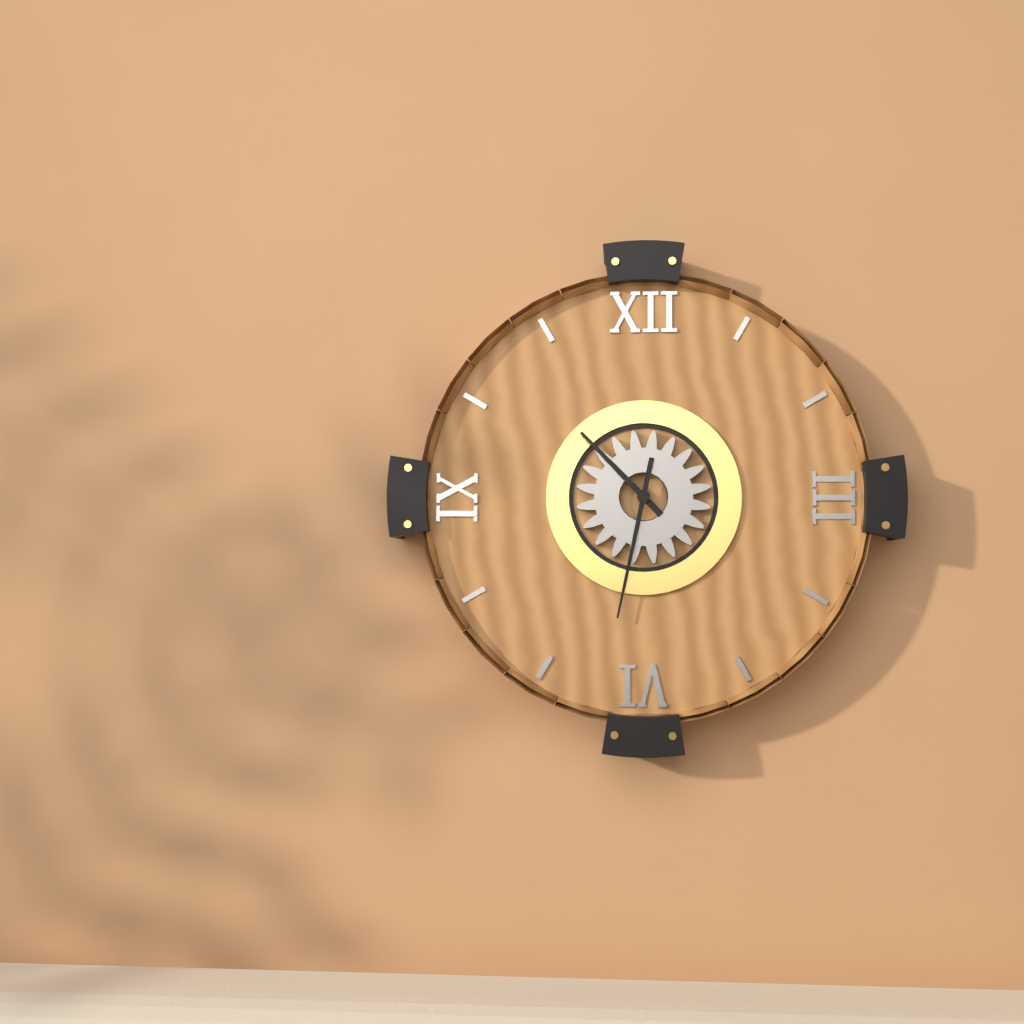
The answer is 10:32
